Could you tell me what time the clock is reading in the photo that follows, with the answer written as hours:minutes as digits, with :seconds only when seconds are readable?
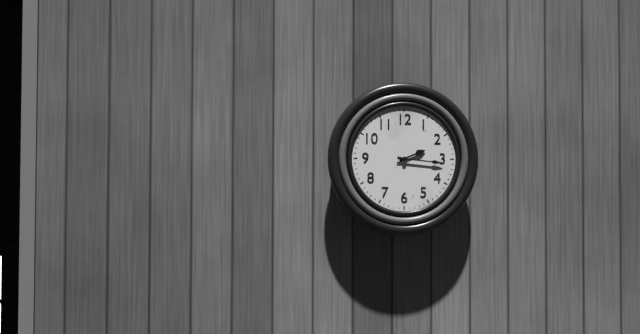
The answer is 2:16
